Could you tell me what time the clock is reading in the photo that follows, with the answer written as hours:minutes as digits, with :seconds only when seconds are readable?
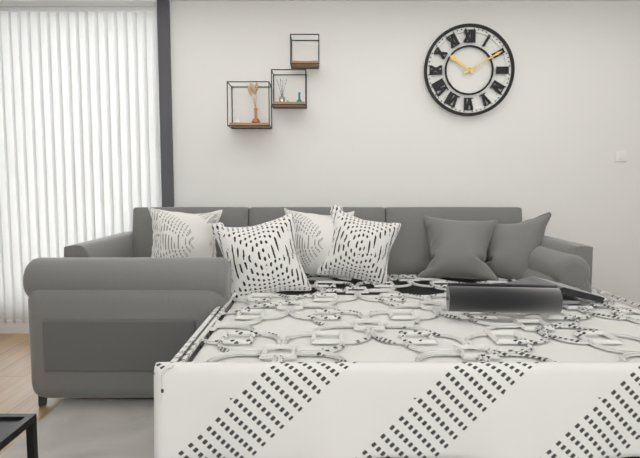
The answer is 10:10
